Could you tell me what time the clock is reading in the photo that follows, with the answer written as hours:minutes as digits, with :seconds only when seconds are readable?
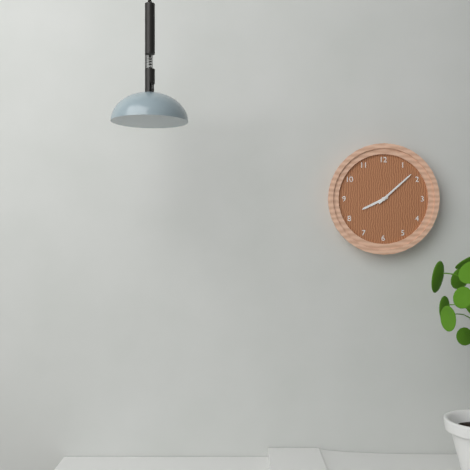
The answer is 8:08
